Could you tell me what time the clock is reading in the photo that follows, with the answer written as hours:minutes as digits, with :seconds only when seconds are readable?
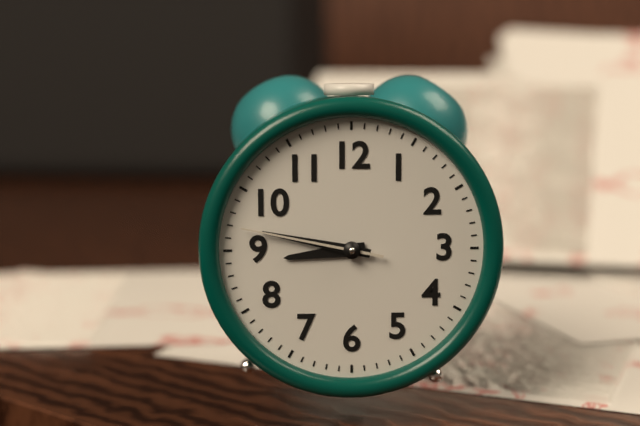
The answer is 8:47:47
